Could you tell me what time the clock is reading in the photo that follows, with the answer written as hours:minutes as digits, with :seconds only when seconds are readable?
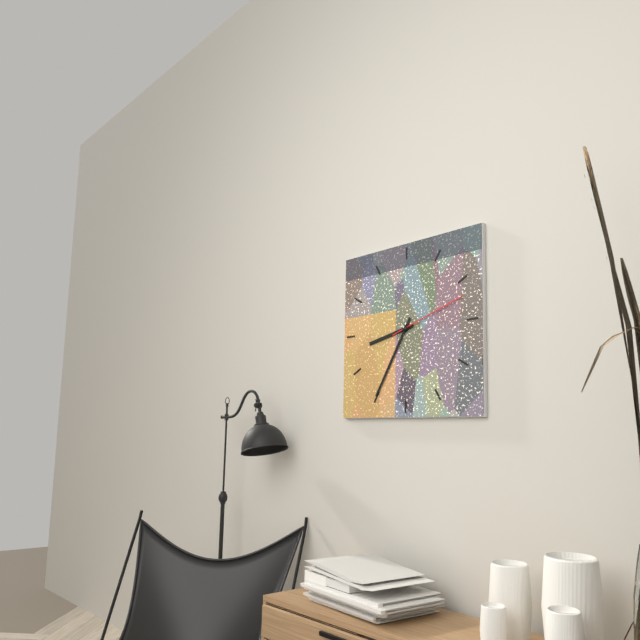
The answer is 8:35:12
